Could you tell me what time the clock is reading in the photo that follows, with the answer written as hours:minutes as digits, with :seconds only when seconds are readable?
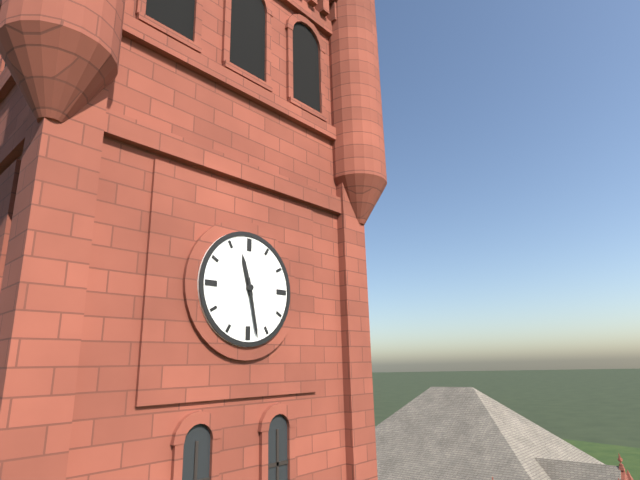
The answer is 11:28
